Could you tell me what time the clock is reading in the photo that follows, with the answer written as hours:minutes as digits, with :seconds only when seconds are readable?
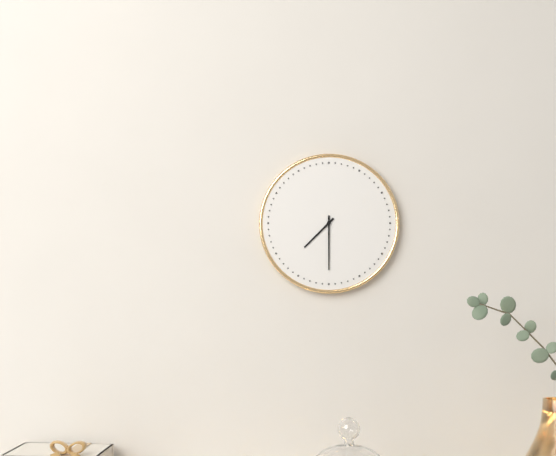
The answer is 7:30
